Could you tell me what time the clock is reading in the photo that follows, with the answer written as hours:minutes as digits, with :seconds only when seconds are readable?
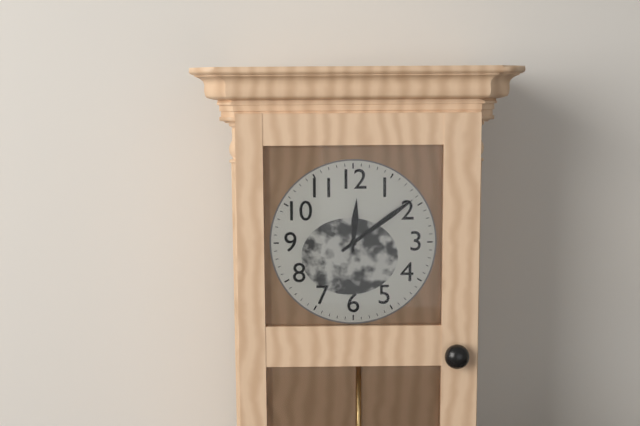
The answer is 12:09
